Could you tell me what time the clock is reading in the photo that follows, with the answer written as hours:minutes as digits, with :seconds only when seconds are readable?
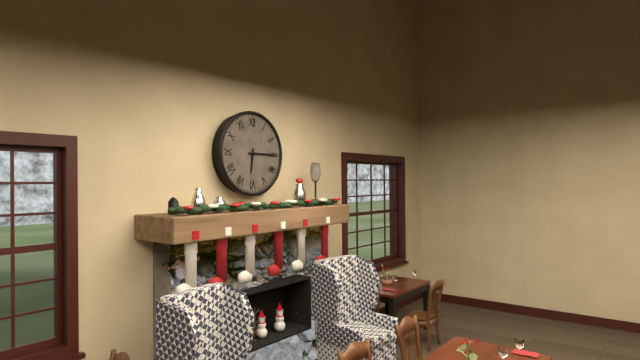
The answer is 6:15
